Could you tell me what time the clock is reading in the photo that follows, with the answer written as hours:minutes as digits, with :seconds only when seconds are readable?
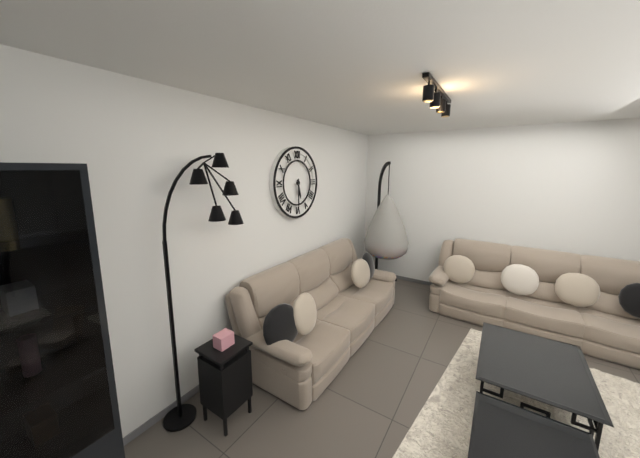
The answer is 5:30
